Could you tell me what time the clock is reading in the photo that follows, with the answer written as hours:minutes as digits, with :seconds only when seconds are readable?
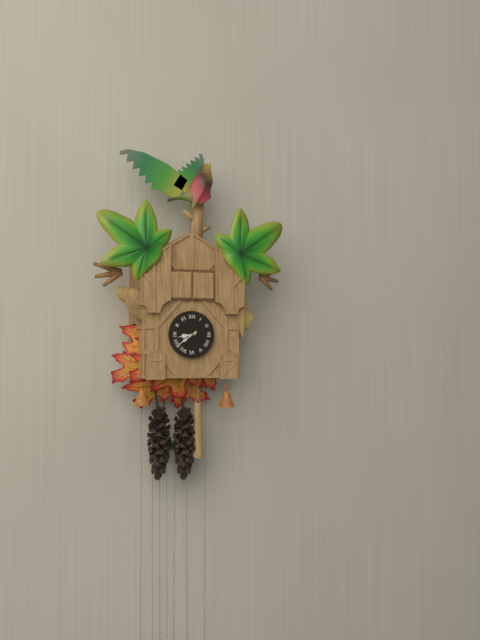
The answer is 8:39
